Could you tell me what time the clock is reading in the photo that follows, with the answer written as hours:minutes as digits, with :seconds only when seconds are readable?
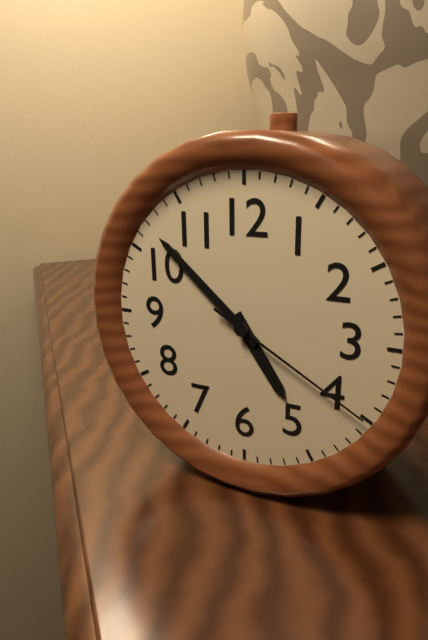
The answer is 4:52:20
